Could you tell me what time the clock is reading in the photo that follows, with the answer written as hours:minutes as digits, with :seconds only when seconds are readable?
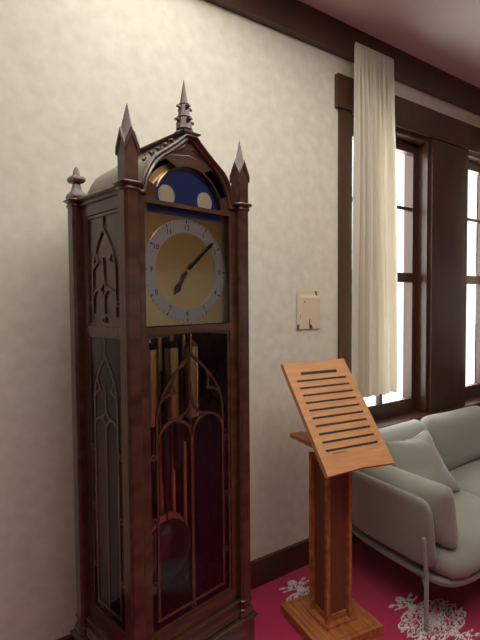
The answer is 7:08
